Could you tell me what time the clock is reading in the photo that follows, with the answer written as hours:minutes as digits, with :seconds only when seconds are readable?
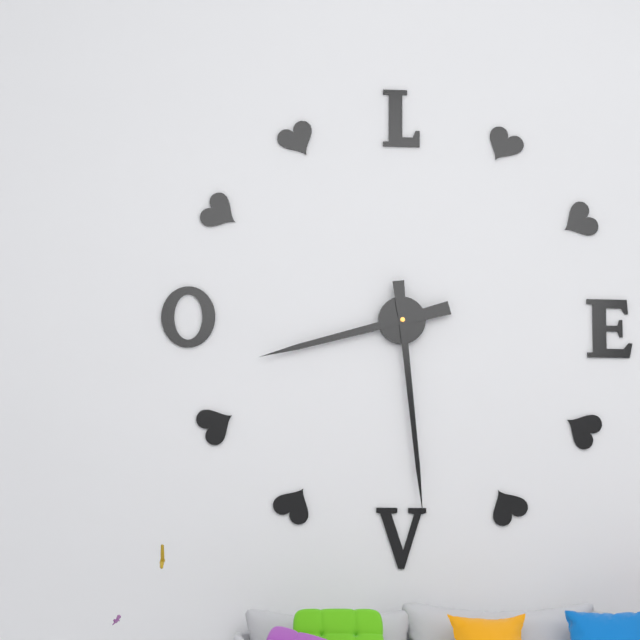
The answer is 8:29
